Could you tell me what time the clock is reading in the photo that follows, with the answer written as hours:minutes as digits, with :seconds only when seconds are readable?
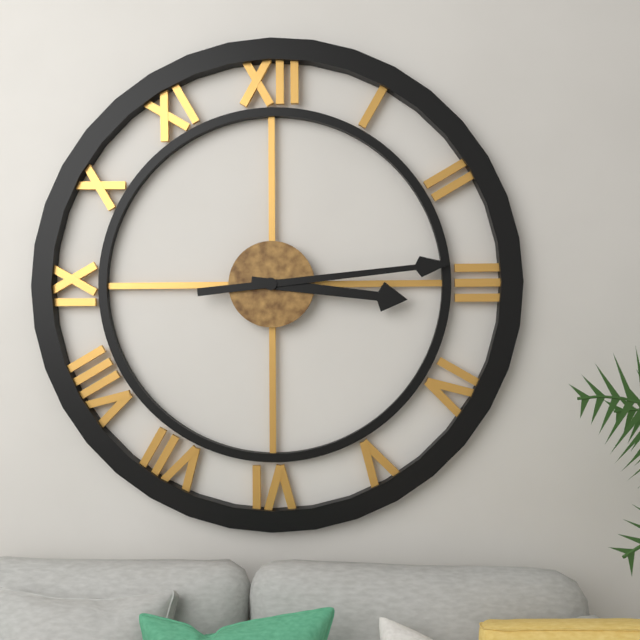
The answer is 3:14
